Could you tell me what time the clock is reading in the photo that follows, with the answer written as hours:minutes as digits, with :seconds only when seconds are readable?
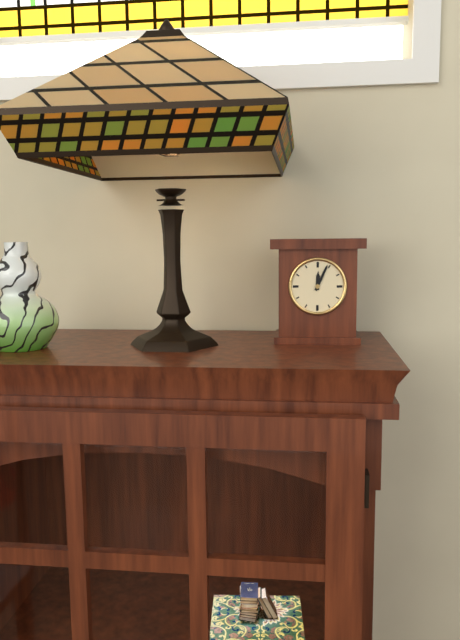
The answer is 12:04
